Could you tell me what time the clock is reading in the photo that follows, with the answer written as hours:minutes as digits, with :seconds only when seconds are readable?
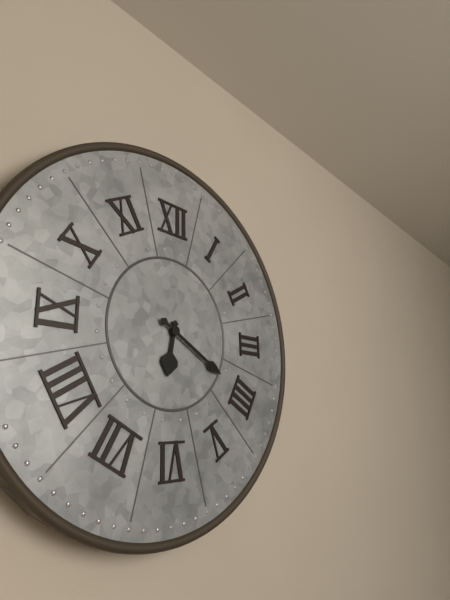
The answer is 6:20
